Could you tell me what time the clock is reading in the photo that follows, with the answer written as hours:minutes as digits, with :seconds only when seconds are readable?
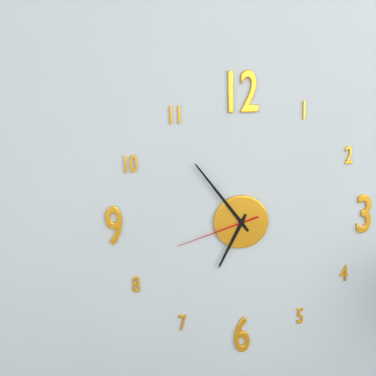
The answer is 6:54:42
